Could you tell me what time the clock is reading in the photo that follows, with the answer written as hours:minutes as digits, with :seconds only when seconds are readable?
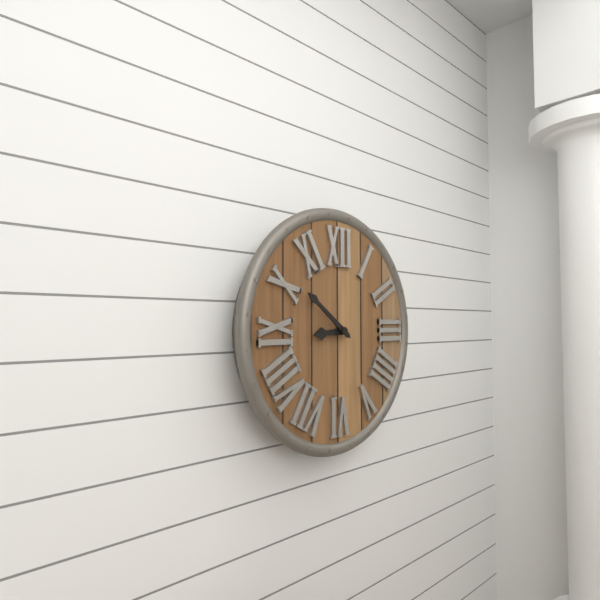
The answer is 8:51
